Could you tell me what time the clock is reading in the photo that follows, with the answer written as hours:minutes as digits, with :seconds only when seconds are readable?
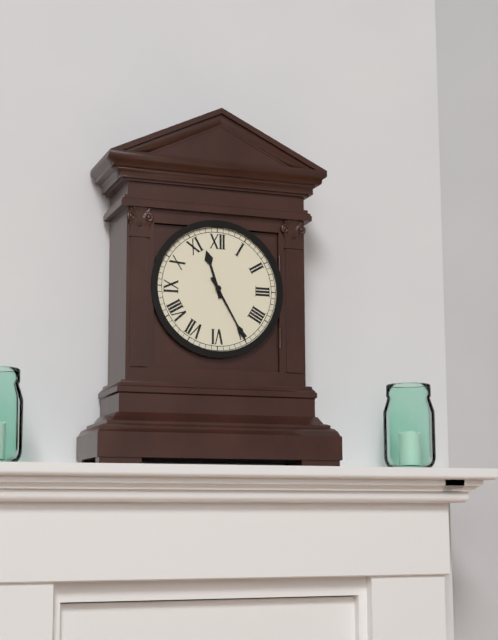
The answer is 11:25
